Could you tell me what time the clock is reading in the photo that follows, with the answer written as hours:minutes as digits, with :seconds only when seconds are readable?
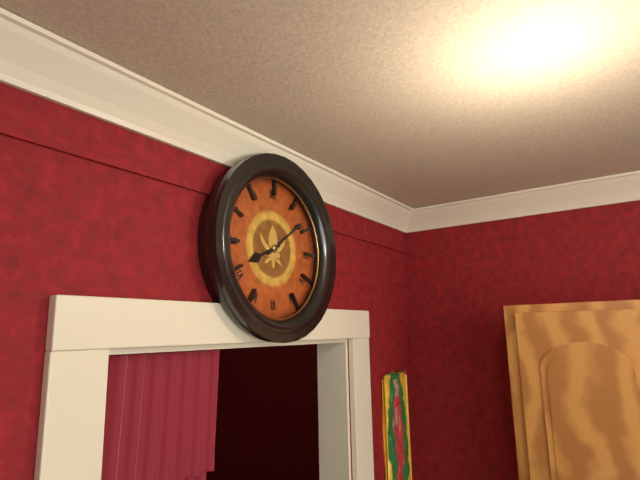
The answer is 8:09
